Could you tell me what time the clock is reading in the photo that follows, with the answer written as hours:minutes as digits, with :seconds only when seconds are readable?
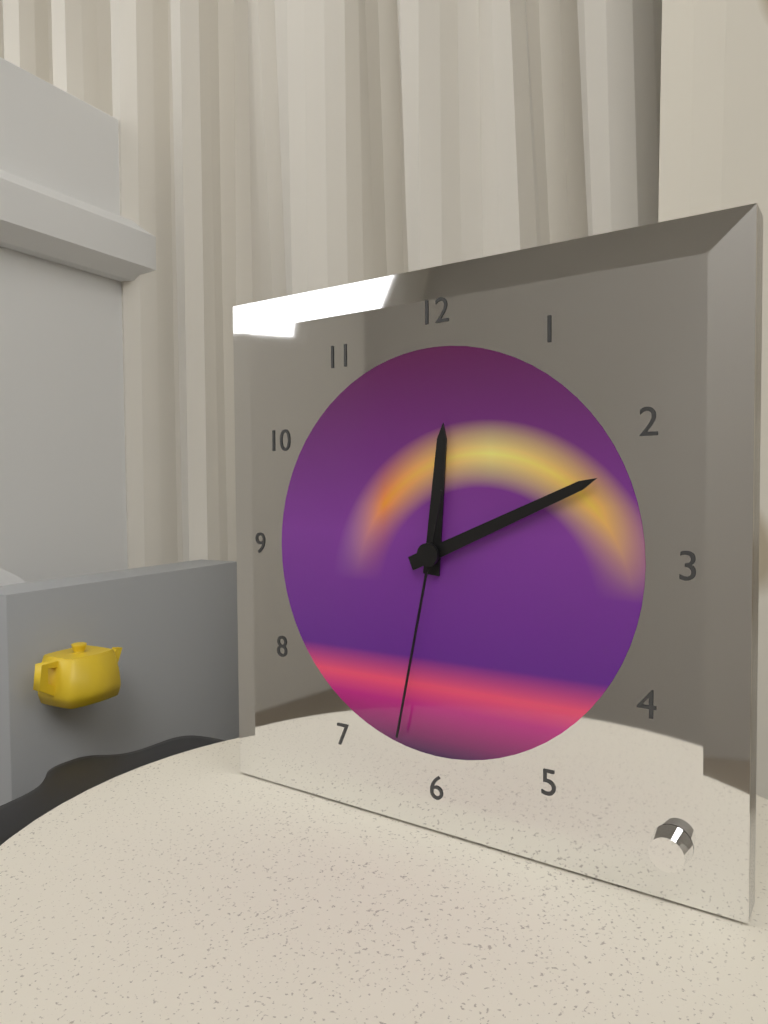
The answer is 12:11:32
